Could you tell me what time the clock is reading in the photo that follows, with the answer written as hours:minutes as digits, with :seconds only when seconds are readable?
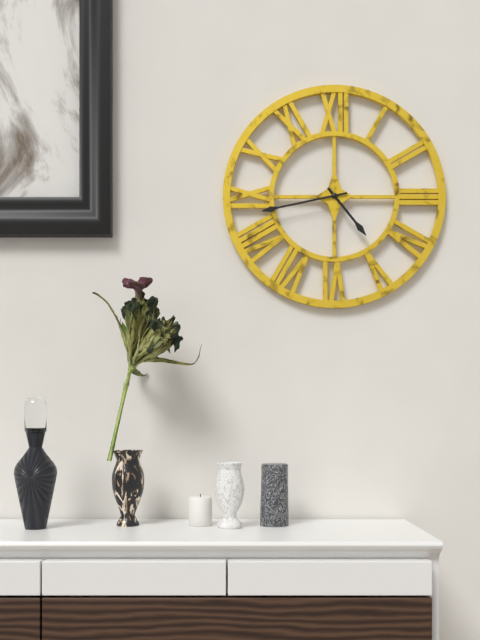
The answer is 4:43
